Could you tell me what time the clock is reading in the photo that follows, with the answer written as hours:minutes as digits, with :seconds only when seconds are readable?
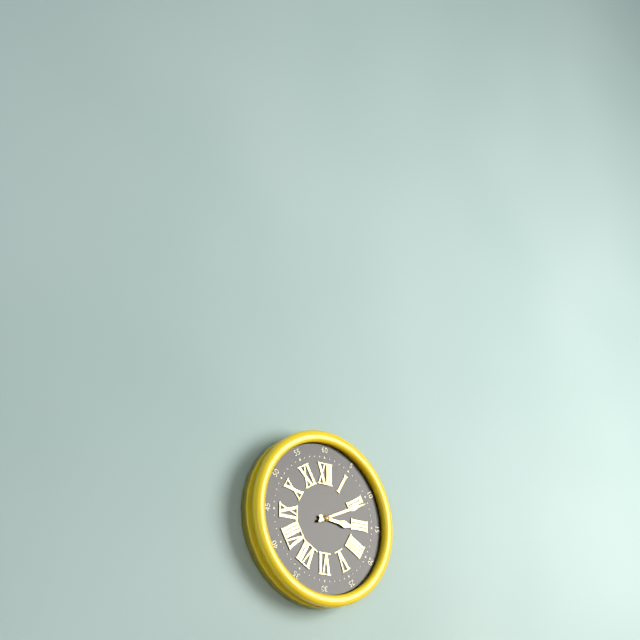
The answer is 3:11
